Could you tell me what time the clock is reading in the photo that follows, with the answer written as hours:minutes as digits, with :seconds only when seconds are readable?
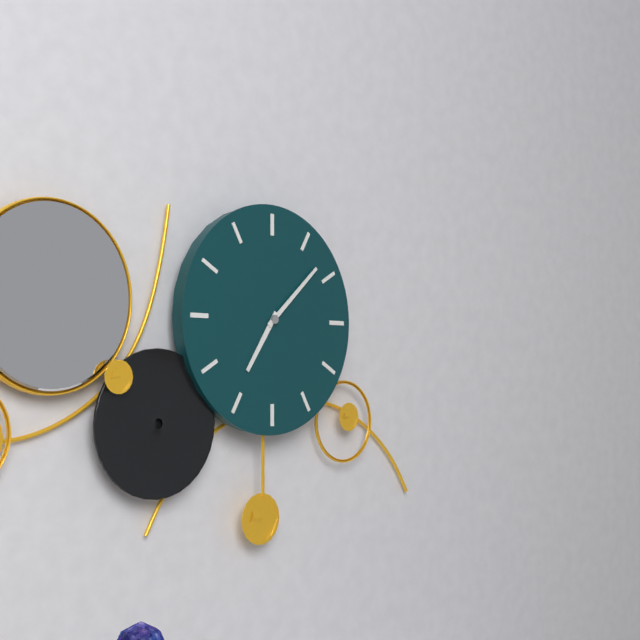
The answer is 7:08
